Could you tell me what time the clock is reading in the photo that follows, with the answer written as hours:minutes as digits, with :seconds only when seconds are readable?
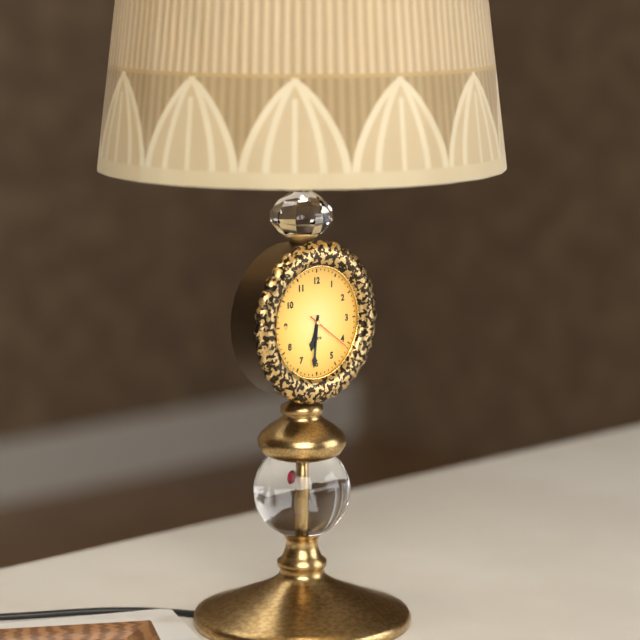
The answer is 6:31
